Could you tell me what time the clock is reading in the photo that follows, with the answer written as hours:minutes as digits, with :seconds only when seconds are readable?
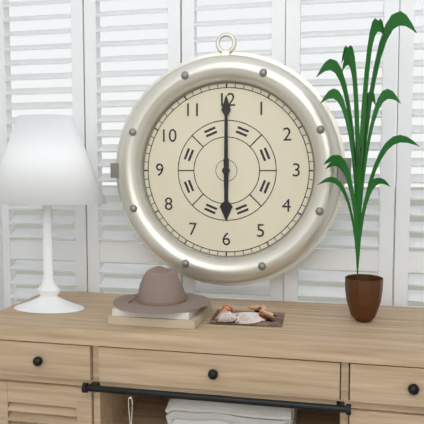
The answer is 6:00
